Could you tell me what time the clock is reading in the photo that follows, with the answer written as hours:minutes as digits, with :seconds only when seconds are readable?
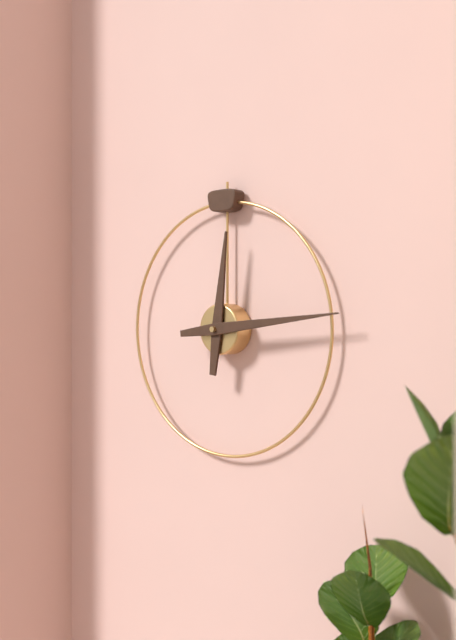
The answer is 12:14
